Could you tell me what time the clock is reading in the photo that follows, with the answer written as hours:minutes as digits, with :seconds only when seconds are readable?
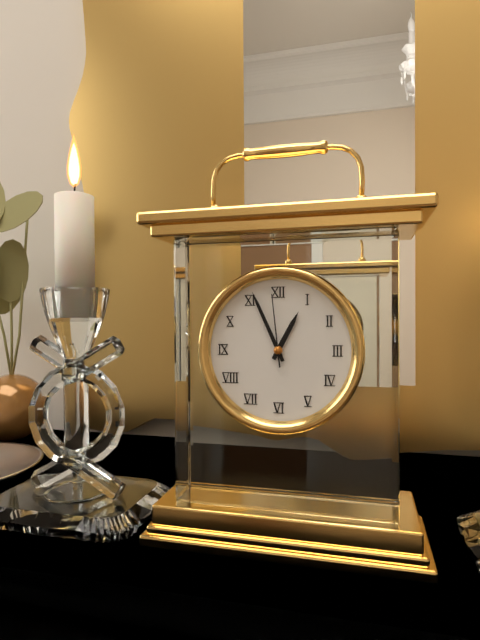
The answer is 12:56:59
